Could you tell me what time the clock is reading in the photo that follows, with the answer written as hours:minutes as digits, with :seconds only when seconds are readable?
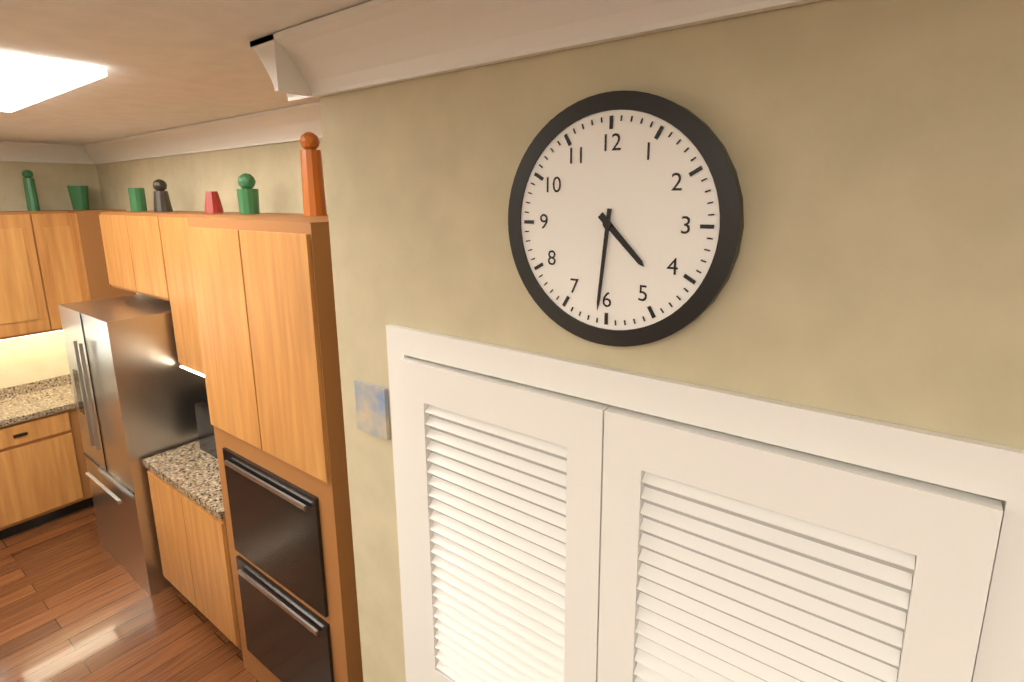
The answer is 4:31
